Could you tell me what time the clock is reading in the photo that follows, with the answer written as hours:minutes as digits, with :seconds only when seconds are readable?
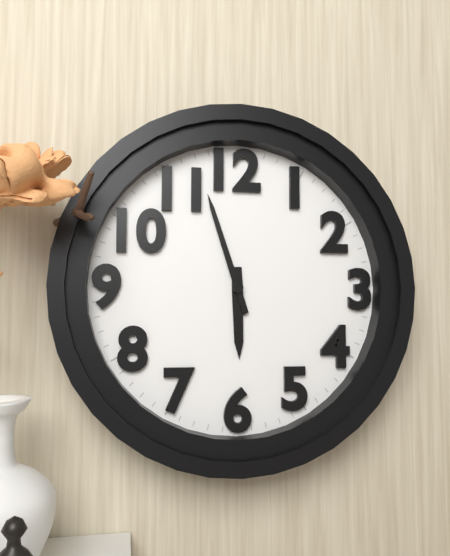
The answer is 5:57
